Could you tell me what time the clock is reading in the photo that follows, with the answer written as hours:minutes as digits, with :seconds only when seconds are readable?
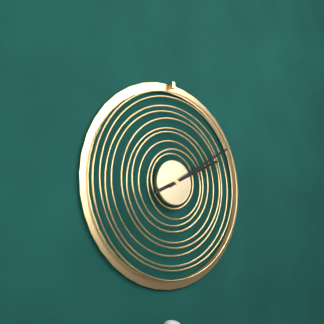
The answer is 2:10
